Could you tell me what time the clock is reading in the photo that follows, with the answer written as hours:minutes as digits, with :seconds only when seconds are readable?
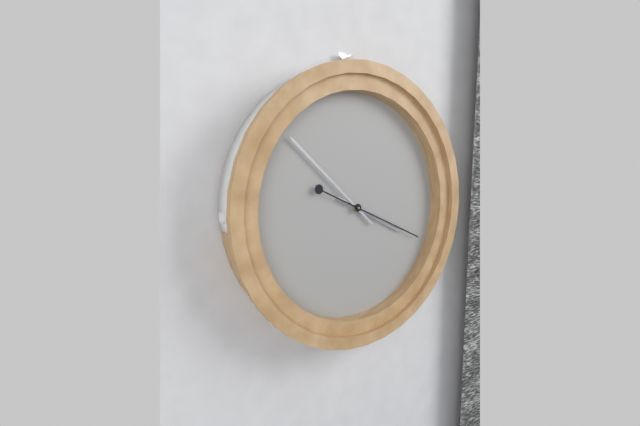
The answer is 3:52:19
